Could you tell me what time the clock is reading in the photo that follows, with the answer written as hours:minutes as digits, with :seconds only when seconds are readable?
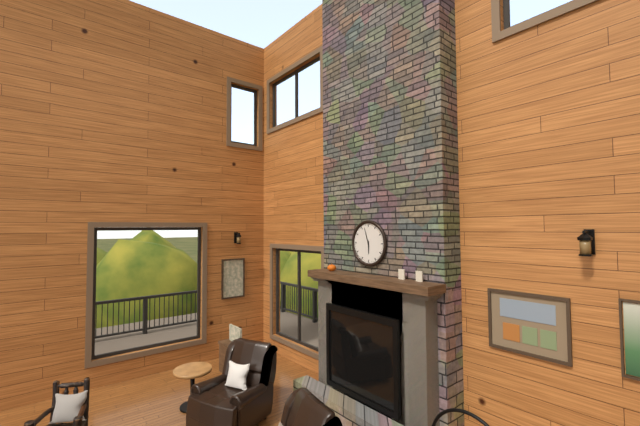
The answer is 5:57
